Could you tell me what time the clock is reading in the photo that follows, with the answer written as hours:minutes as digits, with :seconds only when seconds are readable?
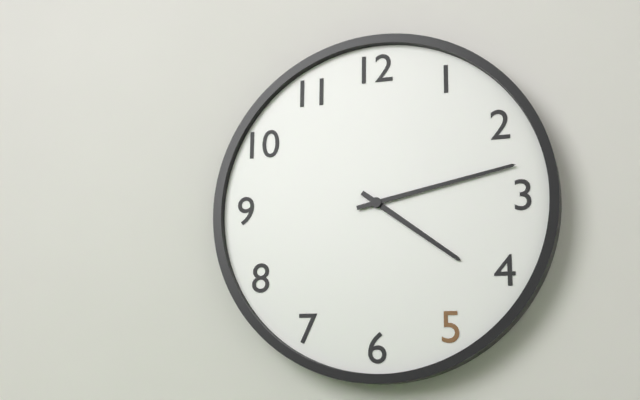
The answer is 4:13
